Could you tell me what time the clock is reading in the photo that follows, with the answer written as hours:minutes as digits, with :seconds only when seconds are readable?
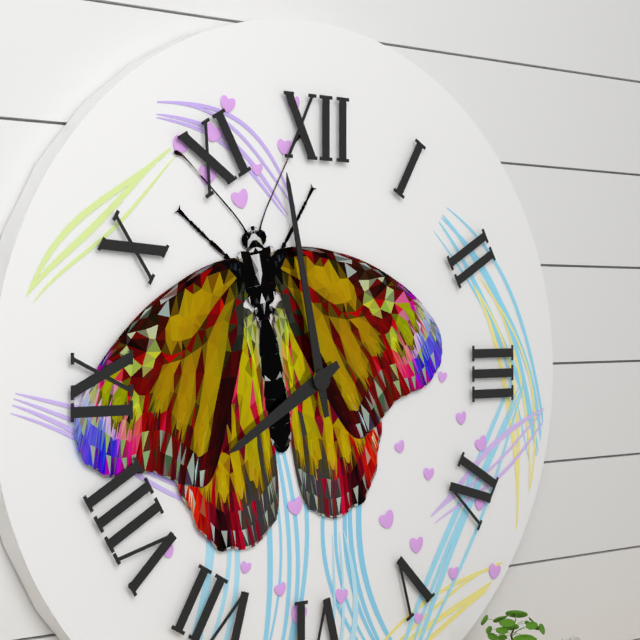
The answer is 7:58
